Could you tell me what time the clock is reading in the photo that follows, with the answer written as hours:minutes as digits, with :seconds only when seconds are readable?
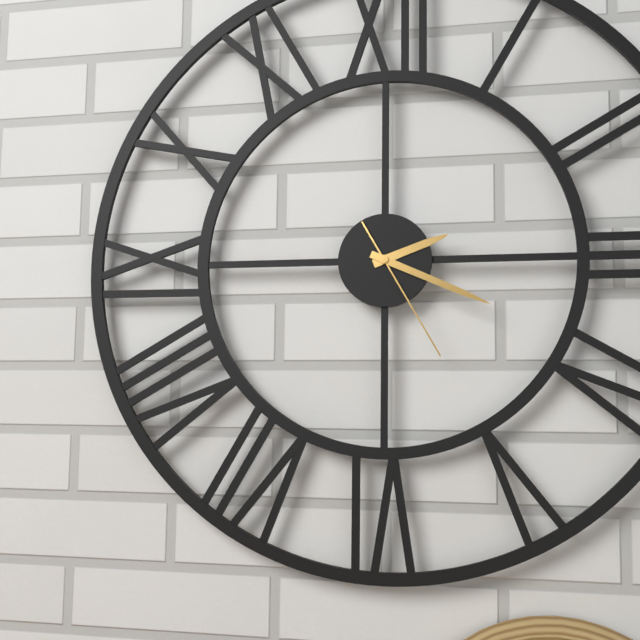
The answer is 2:19:25
